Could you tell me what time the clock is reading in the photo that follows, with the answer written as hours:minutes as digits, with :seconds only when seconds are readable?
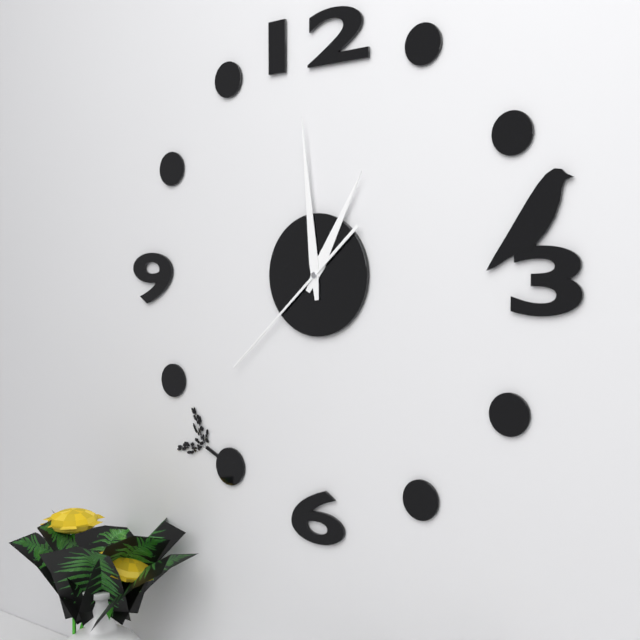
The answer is 12:59:38
